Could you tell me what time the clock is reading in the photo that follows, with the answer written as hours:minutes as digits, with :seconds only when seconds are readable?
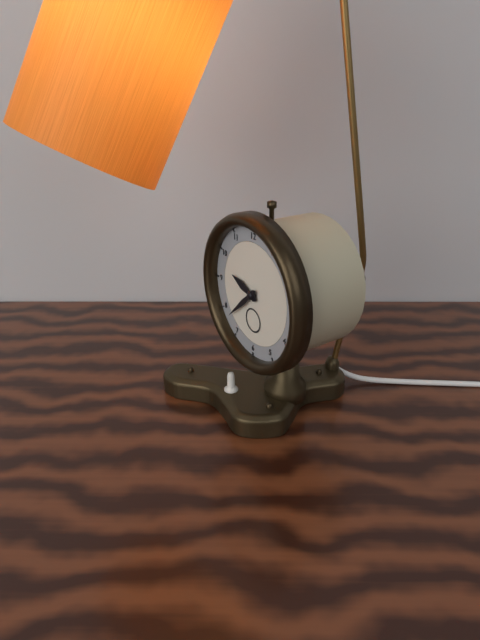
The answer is 9:38
